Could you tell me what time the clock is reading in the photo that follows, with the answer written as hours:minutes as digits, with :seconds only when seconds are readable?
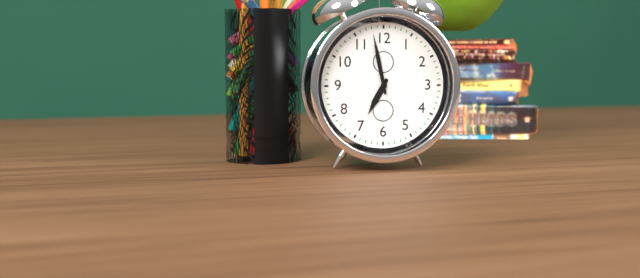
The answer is 6:58
